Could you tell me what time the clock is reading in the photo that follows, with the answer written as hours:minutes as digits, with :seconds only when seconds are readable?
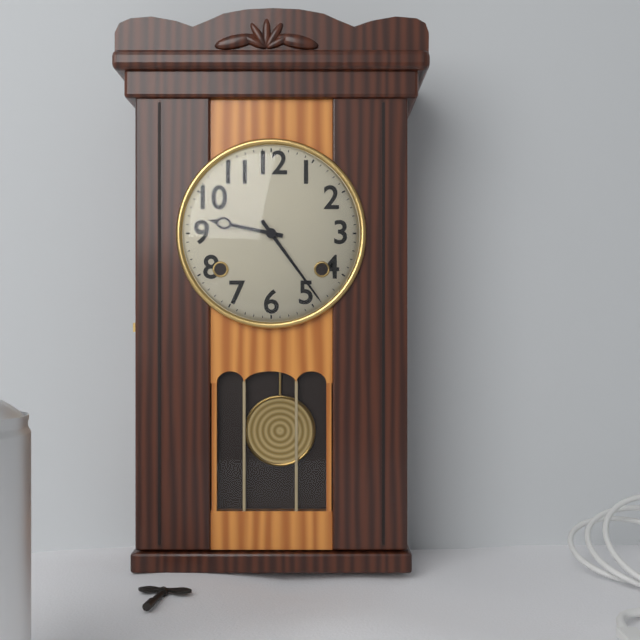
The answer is 9:24
